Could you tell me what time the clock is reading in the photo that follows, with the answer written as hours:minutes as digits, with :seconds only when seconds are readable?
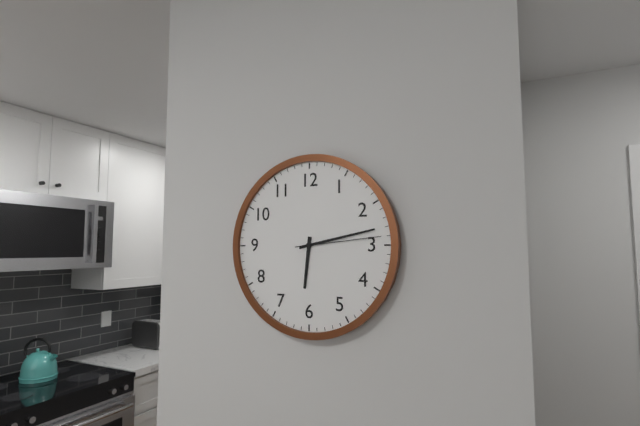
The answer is 6:13:14
